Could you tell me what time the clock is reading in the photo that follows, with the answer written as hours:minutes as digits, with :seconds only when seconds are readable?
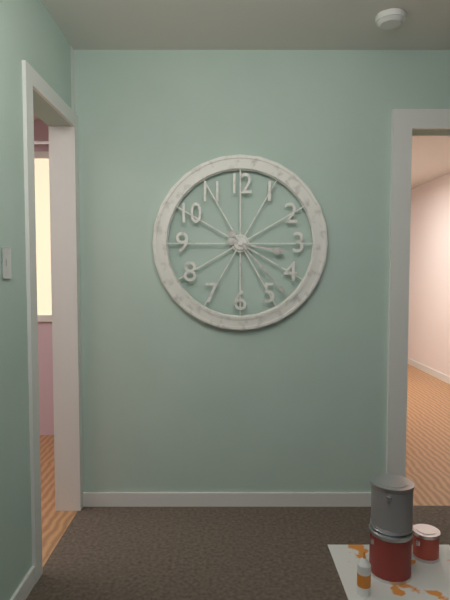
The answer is 3:23
